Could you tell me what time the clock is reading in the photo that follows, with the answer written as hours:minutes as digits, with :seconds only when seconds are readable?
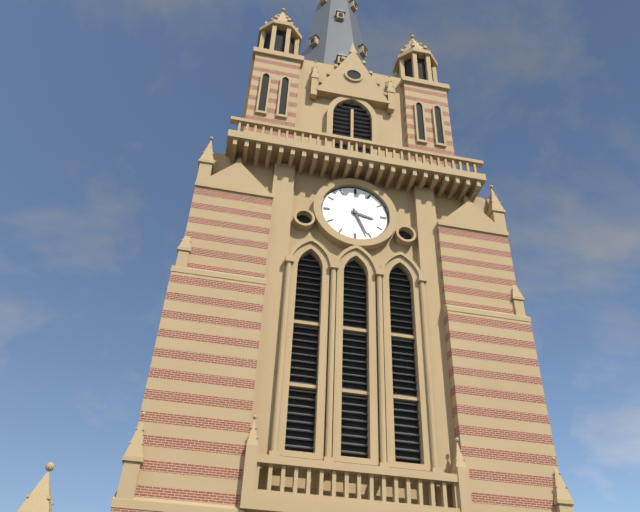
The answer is 3:26
